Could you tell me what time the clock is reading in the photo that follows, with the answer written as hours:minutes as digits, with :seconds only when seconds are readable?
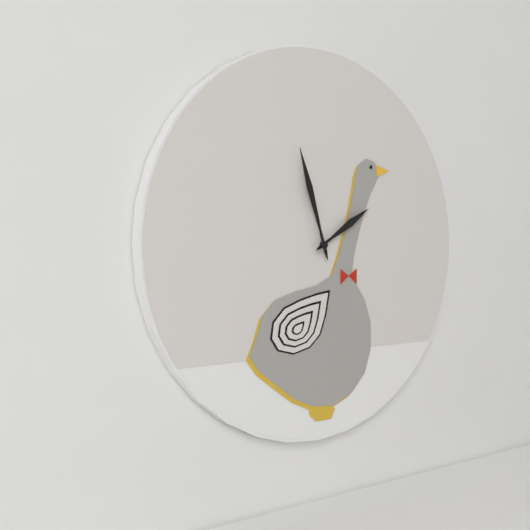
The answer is 1:57
